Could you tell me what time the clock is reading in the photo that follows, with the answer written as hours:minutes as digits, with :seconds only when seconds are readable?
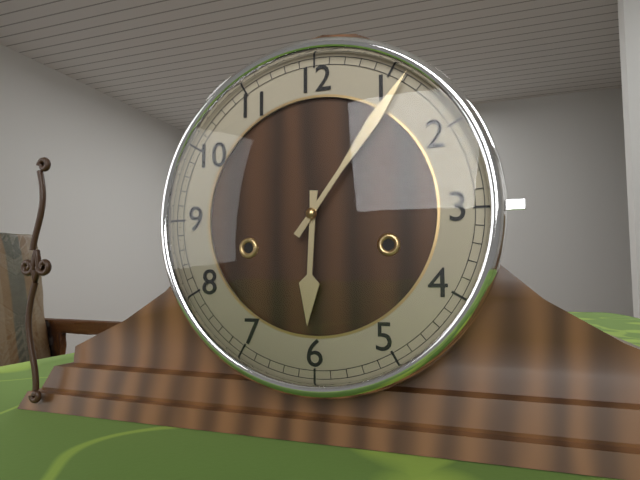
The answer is 6:06
